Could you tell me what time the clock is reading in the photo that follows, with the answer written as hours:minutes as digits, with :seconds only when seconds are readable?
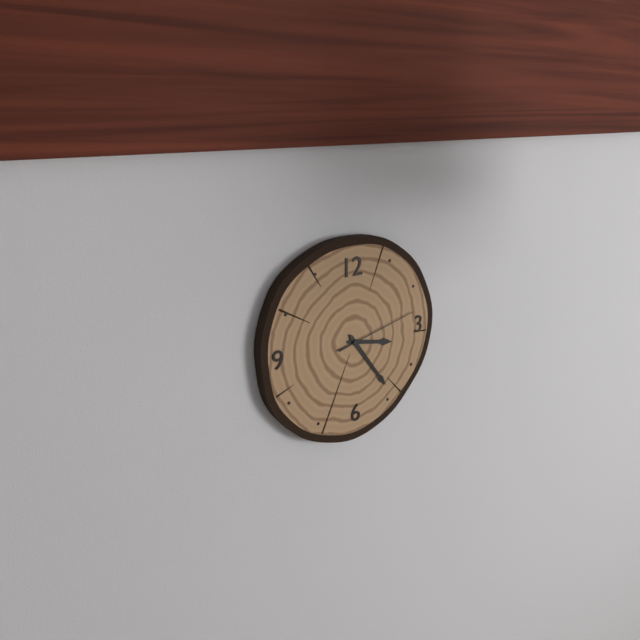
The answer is 3:24:13
